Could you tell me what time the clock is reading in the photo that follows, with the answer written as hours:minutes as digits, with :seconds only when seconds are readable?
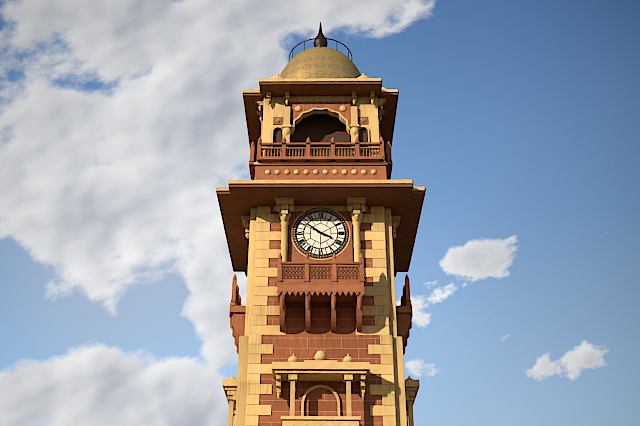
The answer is 3:51
